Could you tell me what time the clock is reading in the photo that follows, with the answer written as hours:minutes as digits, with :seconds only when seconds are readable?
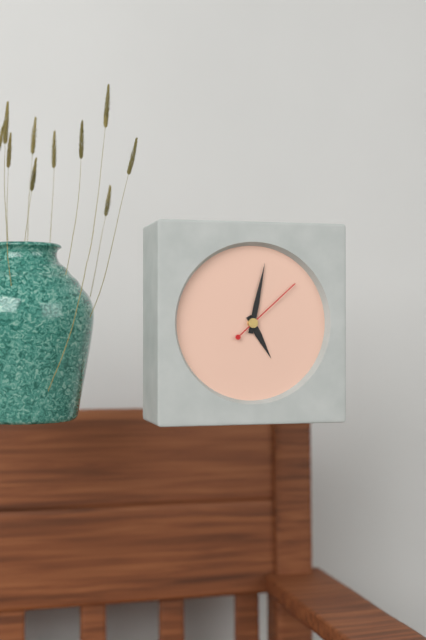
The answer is 5:02:08
